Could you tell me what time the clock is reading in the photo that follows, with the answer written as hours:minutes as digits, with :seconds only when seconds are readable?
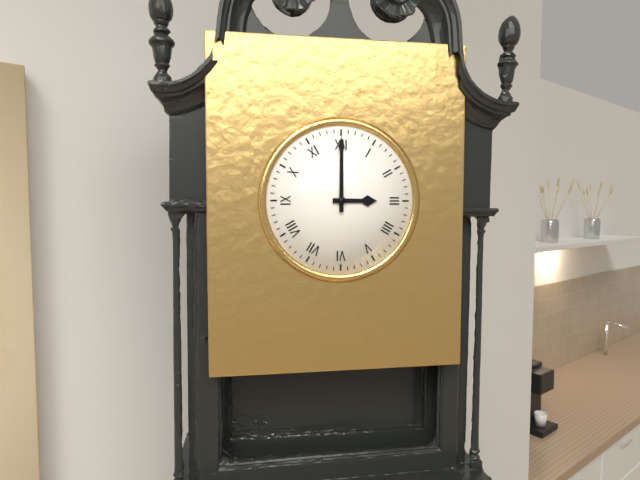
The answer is 3:00
